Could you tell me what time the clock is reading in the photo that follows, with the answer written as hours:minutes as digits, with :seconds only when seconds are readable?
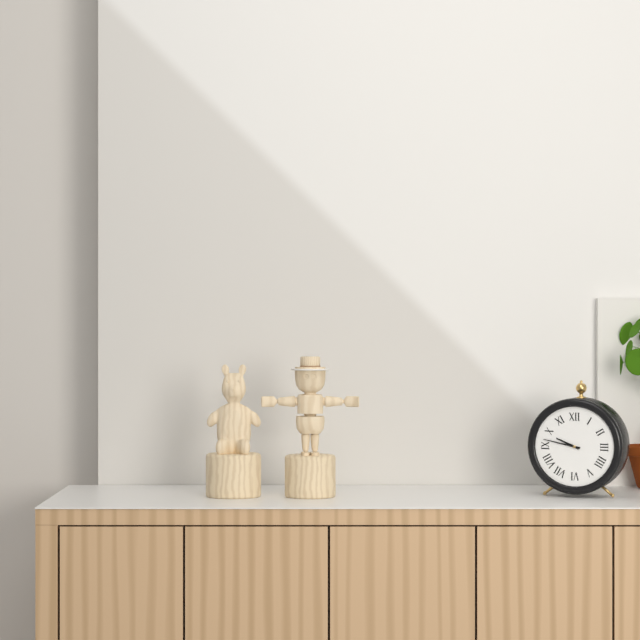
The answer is 9:47
